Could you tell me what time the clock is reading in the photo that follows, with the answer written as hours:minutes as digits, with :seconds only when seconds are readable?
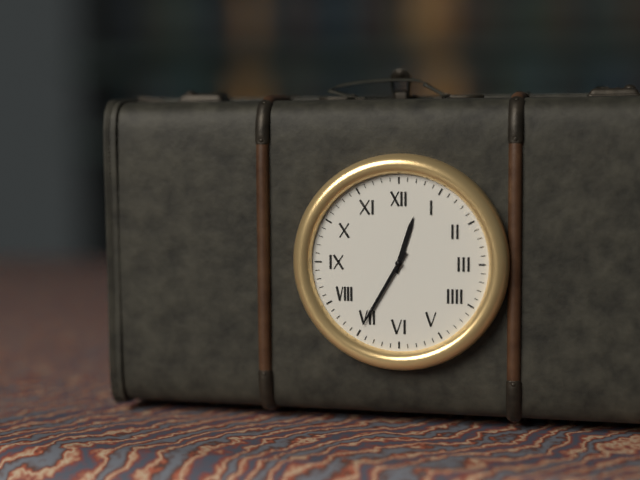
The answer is 12:35
